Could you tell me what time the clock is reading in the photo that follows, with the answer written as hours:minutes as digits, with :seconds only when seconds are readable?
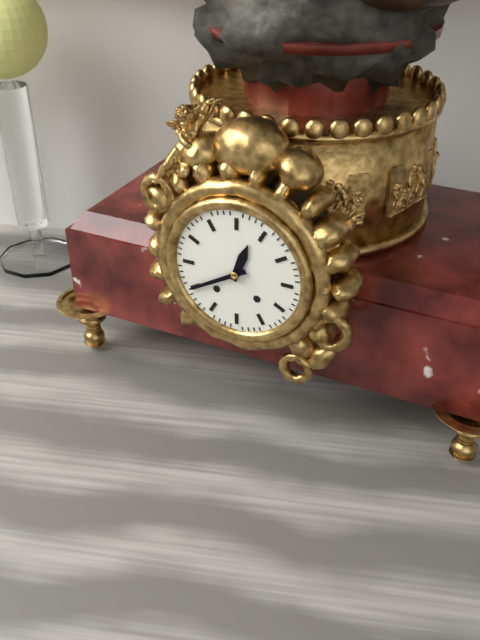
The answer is 12:40
